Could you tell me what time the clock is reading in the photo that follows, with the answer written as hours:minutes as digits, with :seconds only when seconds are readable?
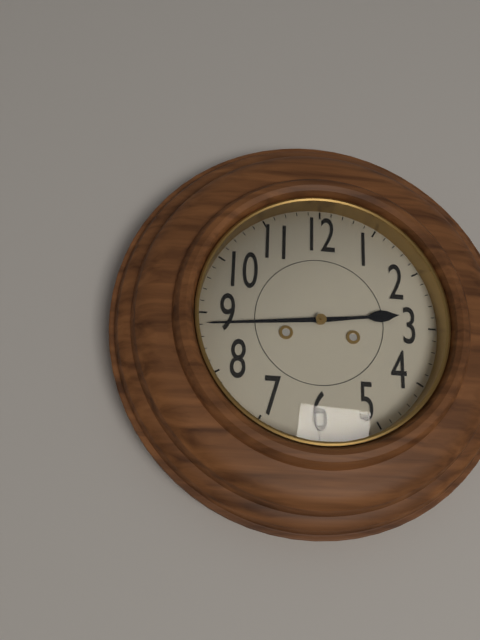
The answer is 2:44
